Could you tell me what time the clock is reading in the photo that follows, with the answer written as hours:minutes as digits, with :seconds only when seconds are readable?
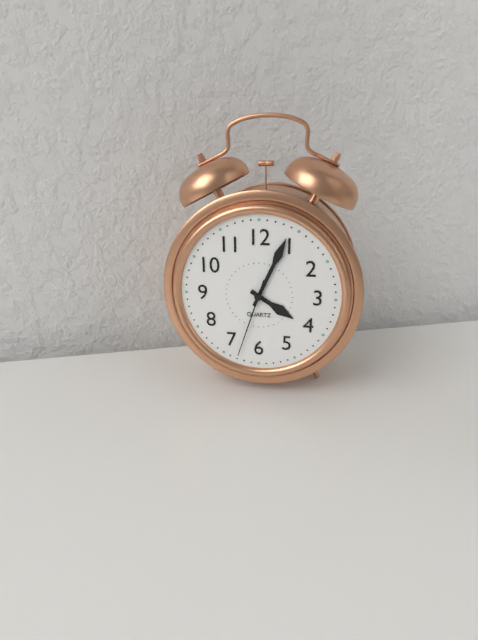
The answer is 4:04:33
